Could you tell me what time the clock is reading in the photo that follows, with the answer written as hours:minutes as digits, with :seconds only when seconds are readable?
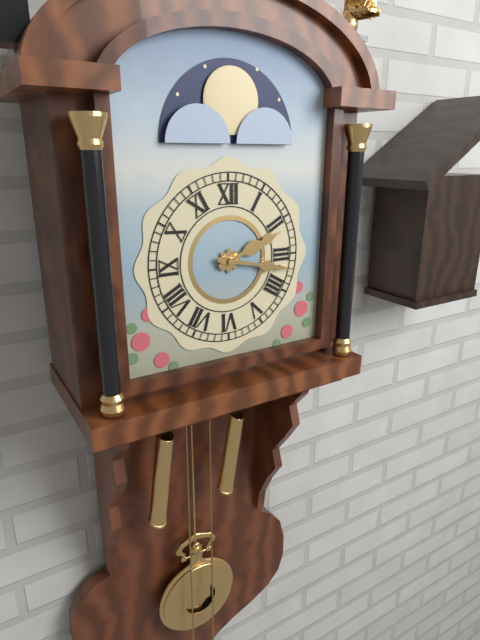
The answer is 2:17
